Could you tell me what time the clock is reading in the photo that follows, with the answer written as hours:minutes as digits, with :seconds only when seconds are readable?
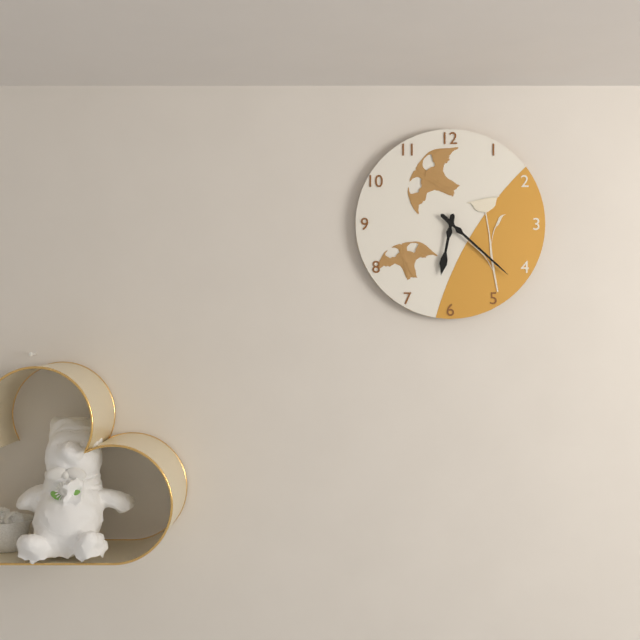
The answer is 6:22
